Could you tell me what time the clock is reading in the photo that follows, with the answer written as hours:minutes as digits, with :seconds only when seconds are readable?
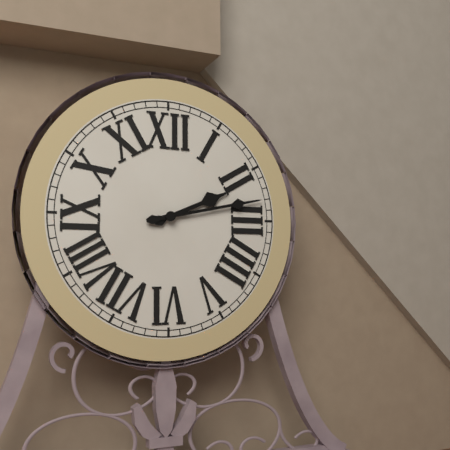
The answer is 2:13
